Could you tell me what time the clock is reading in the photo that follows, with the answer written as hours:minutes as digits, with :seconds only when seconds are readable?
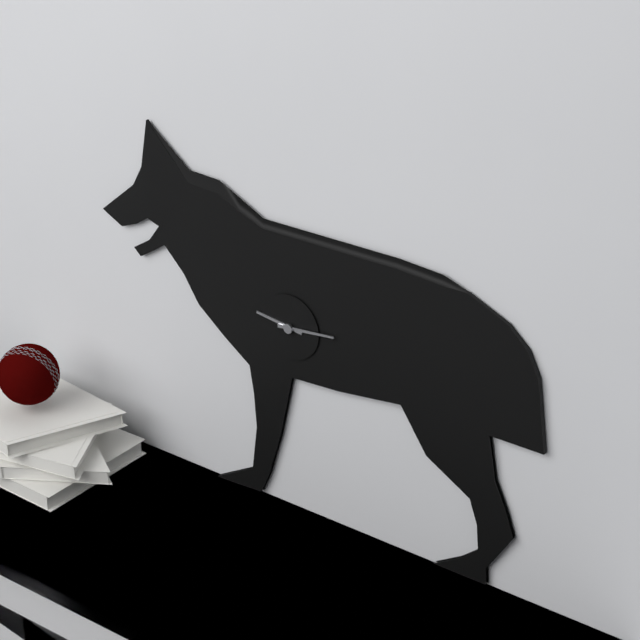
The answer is 9:14
